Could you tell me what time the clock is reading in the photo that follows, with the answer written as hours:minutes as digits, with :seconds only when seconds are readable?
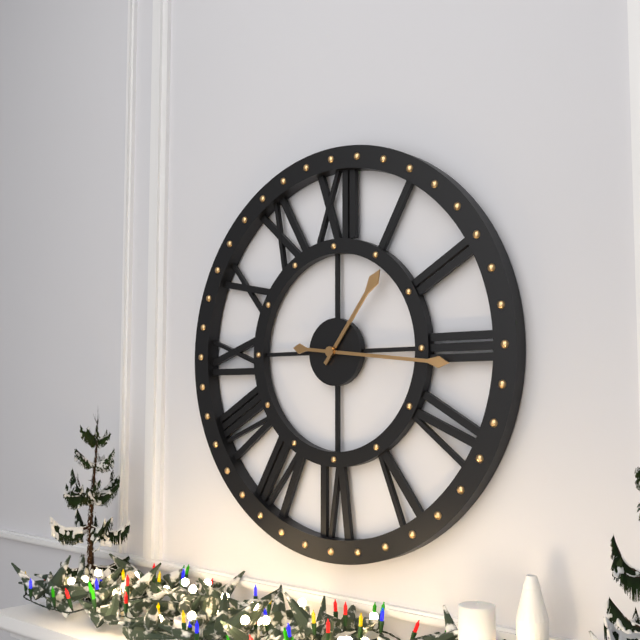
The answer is 1:16
